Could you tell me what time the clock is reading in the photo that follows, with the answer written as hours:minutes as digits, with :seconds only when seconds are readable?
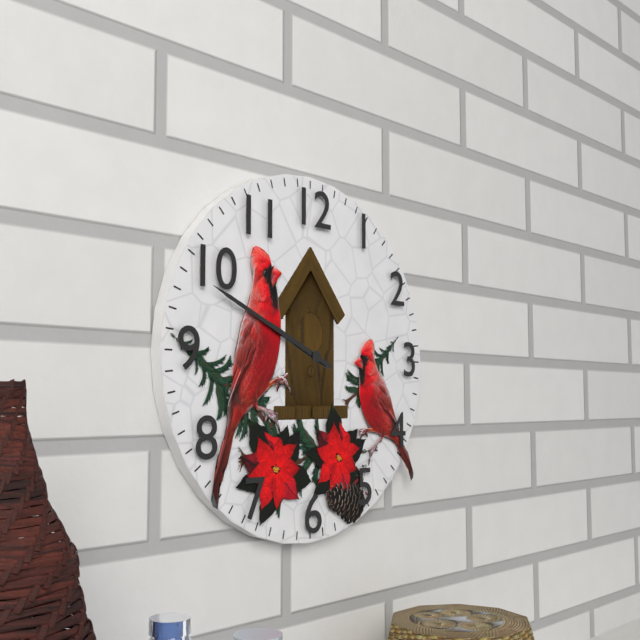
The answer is 9:49
